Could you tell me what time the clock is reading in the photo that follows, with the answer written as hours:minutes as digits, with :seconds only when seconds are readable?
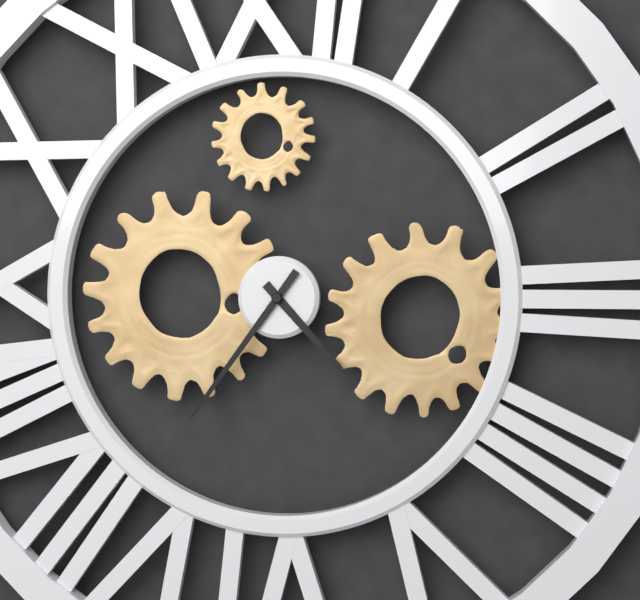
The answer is 4:36
